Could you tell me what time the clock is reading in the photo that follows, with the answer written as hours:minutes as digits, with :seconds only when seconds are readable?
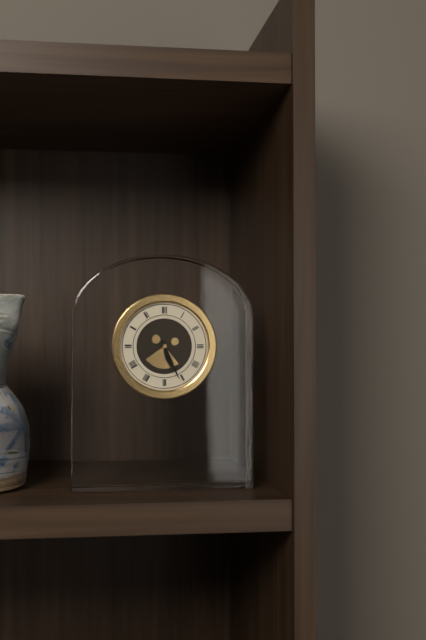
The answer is 5:26
